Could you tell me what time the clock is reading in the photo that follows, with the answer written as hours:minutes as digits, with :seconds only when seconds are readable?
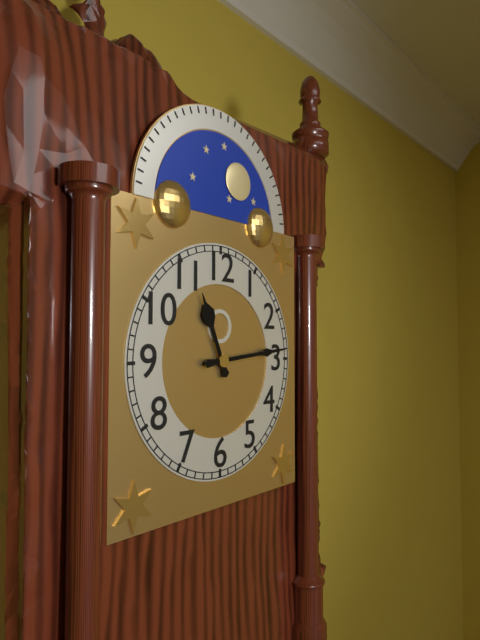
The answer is 11:14
